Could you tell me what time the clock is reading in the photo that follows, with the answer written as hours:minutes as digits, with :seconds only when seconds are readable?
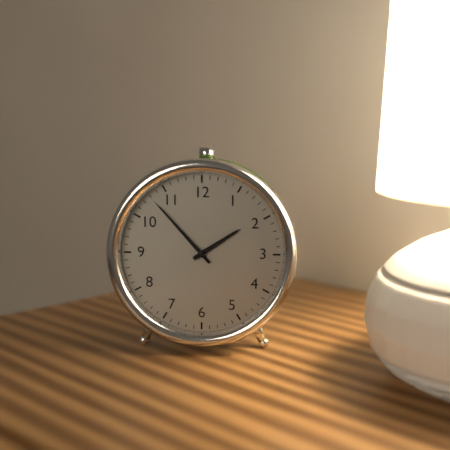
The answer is 1:53
